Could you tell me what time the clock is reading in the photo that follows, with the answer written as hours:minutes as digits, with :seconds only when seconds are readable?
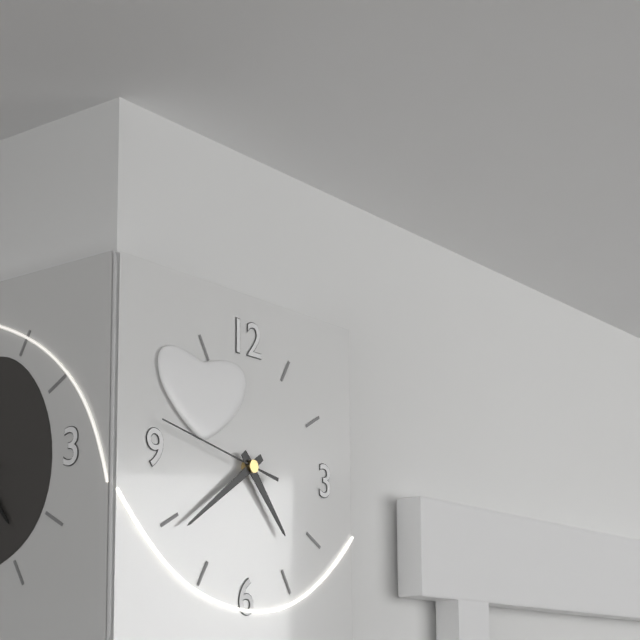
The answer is 4:39:47
